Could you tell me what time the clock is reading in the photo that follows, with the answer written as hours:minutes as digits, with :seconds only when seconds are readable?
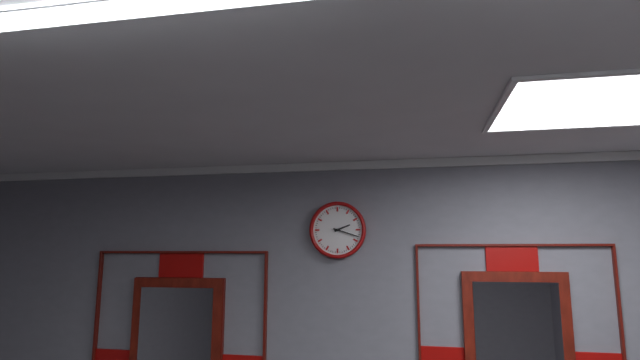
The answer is 2:18
